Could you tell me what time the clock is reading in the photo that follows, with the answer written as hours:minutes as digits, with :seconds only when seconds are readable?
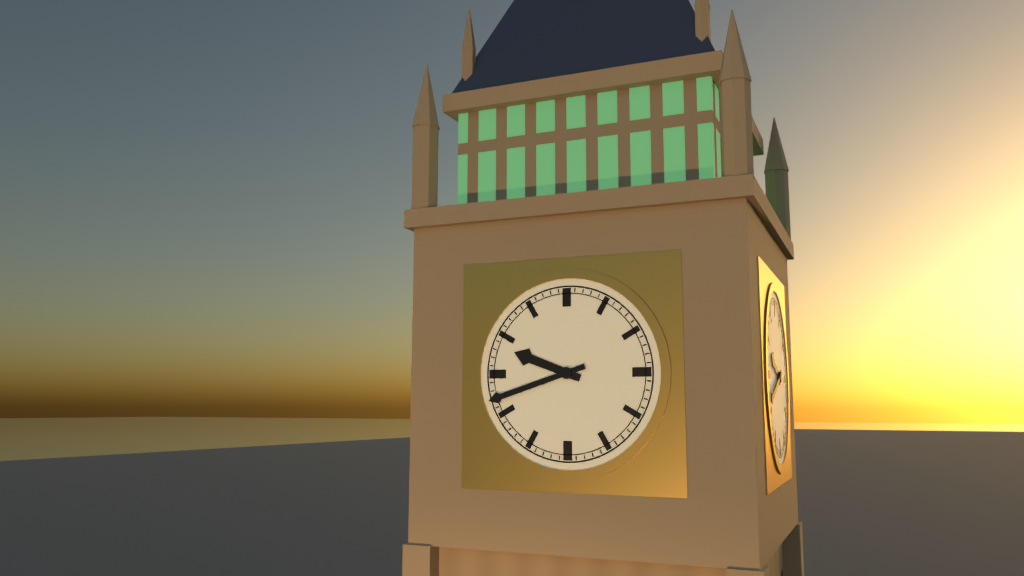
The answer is 9:42
